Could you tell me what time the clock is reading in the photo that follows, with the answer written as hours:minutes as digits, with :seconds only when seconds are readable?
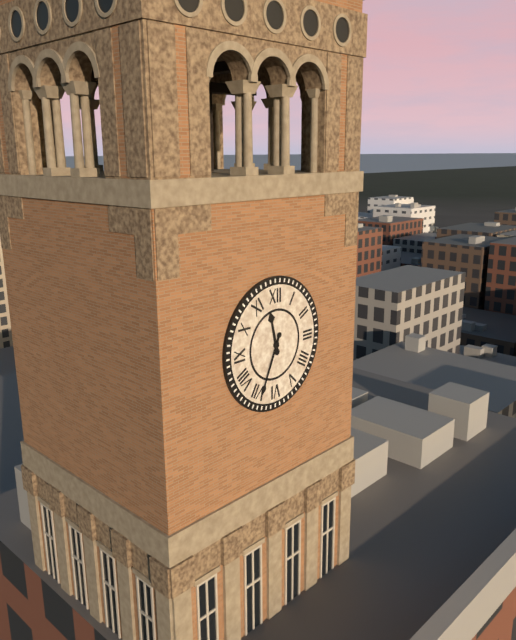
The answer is 11:34
